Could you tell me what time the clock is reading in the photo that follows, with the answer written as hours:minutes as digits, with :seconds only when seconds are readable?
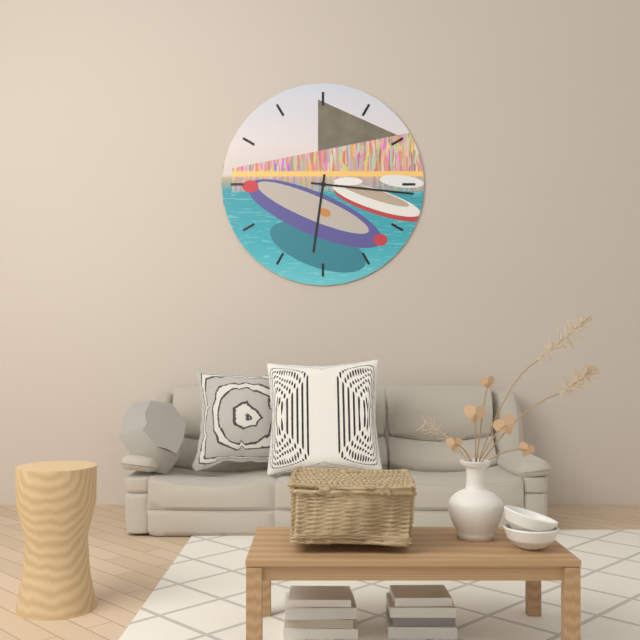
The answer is 6:16
